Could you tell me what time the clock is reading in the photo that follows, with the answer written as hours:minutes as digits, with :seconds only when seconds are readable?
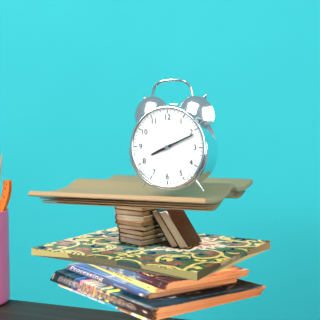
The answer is 8:11
